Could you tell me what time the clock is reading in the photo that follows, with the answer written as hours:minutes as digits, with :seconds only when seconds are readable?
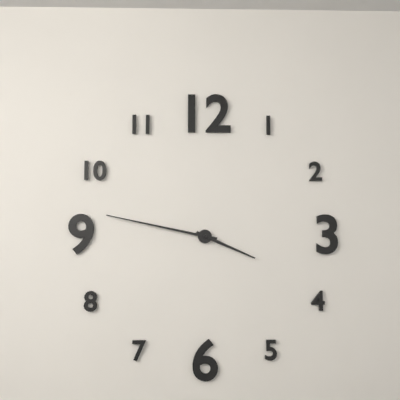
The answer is 3:47
